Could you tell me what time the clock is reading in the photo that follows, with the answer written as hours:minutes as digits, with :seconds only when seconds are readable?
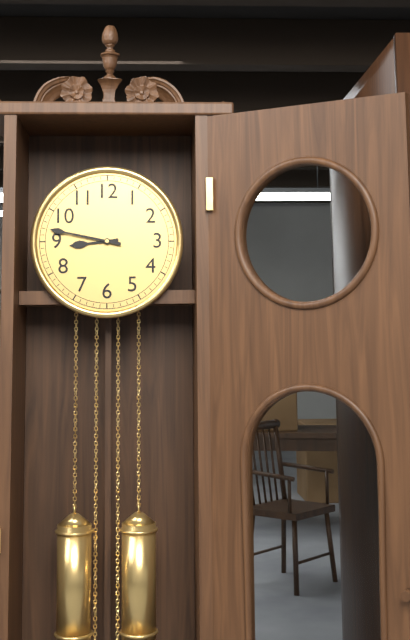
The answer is 8:47
